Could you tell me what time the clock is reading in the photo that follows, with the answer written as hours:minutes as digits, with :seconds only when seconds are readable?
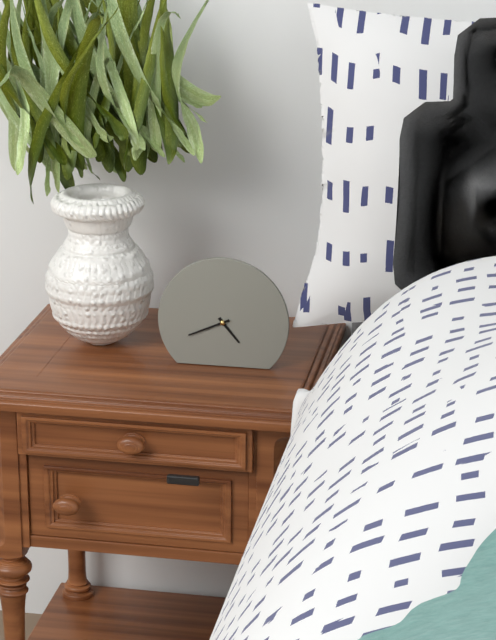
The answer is 4:41
